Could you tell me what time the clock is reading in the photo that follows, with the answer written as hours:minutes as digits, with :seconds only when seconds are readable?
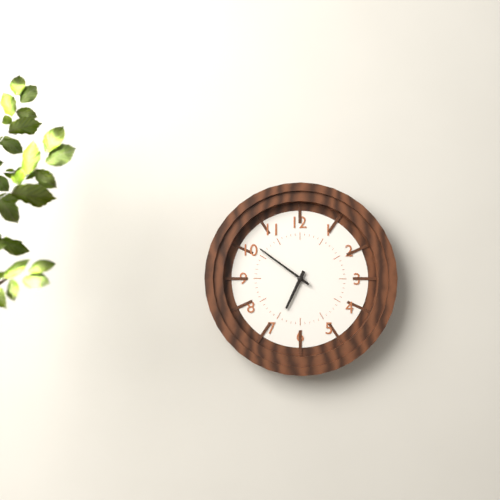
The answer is 6:51
